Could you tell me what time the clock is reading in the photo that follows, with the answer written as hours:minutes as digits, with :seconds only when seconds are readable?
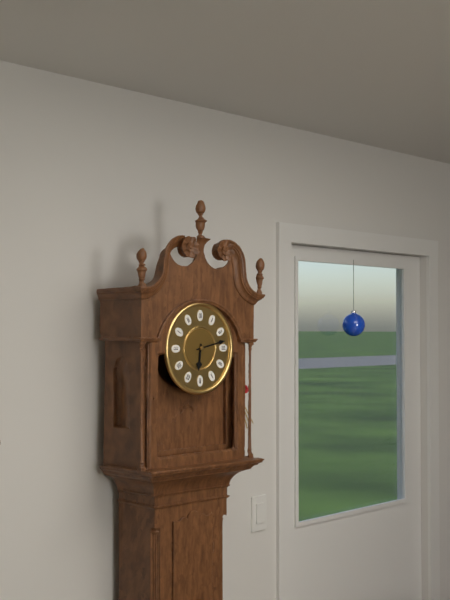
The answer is 6:13
